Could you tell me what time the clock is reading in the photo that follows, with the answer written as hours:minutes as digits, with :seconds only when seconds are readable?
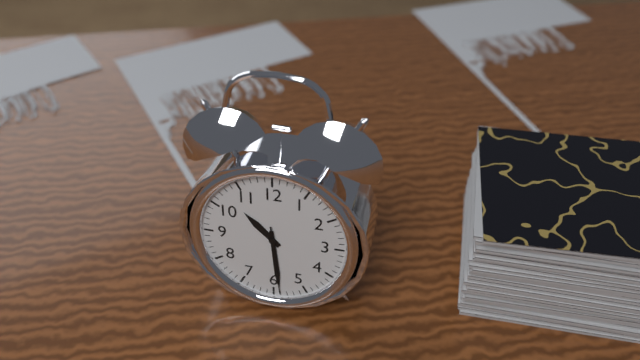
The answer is 10:29:29
